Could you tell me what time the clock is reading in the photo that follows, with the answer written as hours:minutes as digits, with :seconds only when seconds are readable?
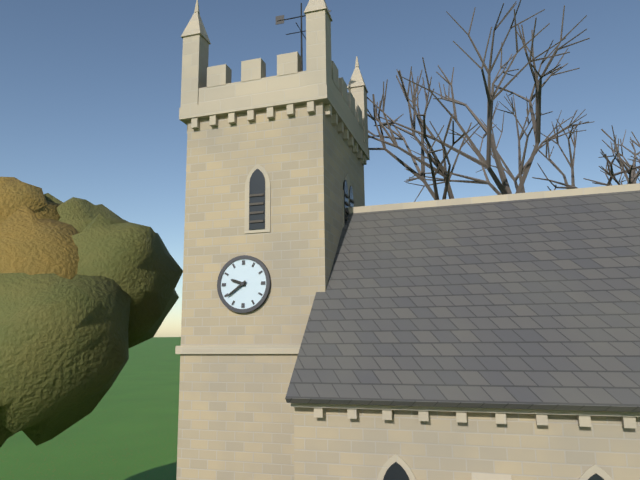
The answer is 9:39
